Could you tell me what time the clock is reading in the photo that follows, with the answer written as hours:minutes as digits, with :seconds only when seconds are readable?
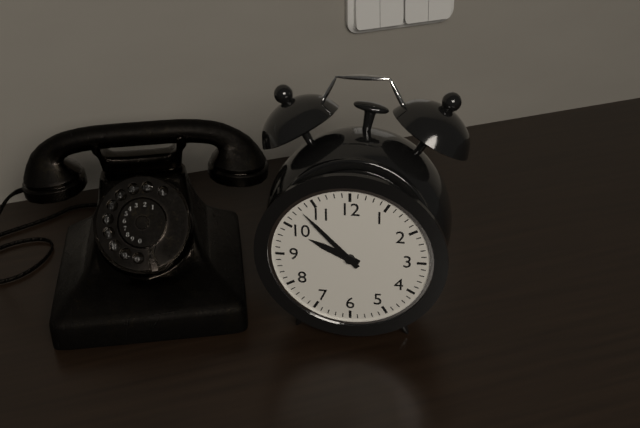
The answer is 9:53
